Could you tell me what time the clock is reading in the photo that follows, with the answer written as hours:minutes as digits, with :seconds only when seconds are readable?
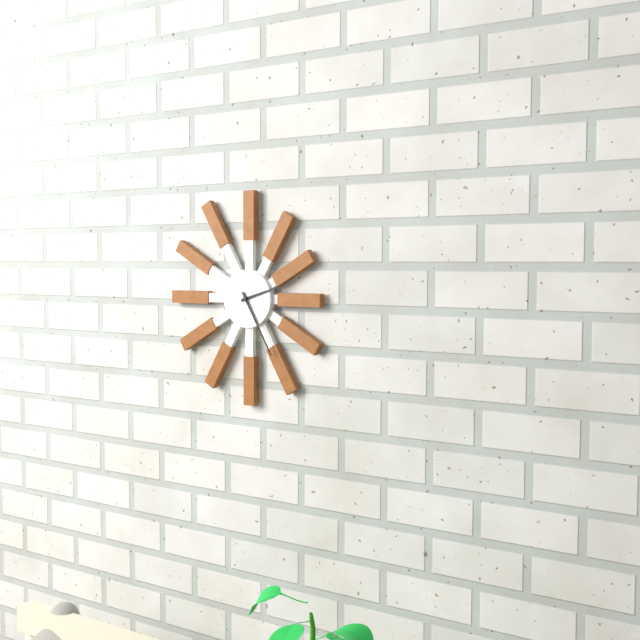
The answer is 2:25
